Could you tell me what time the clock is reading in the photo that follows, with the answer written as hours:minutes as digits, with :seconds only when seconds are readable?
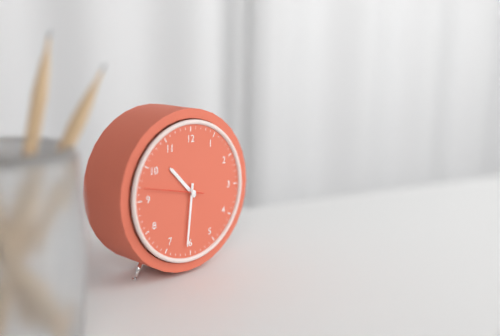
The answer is 10:31:47
